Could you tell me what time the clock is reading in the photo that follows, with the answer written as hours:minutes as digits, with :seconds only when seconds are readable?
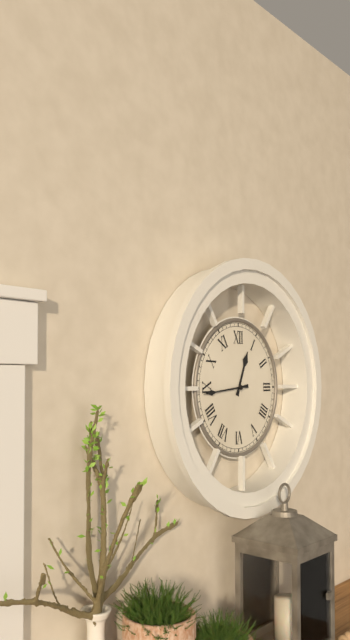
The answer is 12:44
